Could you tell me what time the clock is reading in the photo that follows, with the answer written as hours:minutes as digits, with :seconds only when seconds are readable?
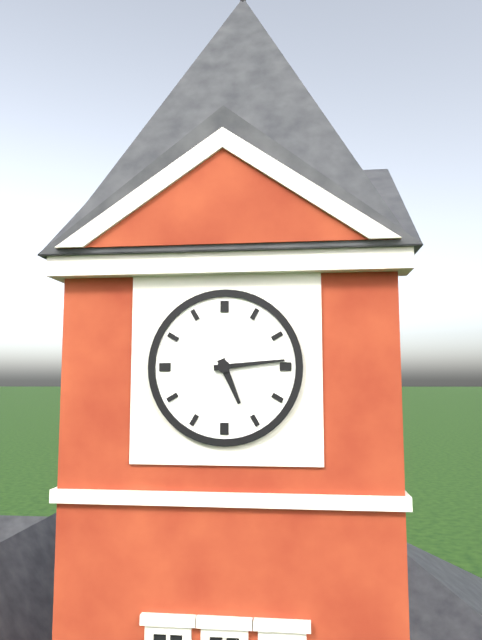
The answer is 5:14
